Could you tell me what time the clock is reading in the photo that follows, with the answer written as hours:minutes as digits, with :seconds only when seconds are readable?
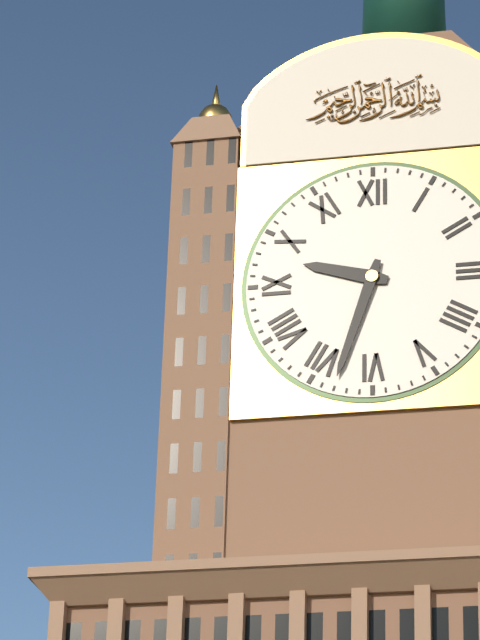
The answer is 9:33
